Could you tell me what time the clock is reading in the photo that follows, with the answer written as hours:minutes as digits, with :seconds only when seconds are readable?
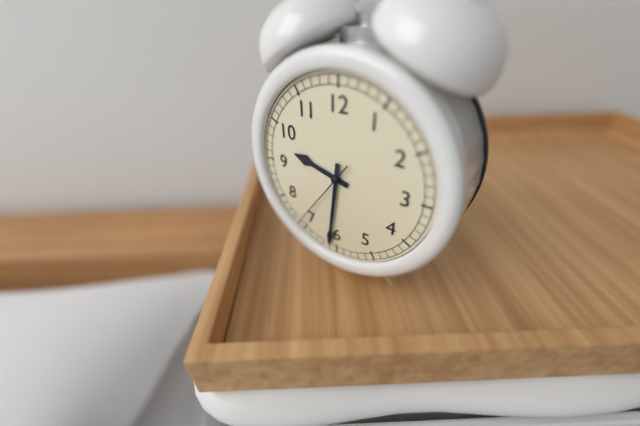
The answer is 9:31:36
